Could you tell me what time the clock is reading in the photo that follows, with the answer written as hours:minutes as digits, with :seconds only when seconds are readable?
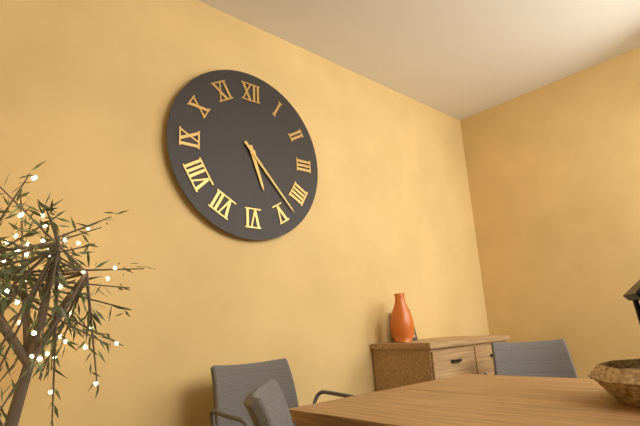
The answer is 5:23
